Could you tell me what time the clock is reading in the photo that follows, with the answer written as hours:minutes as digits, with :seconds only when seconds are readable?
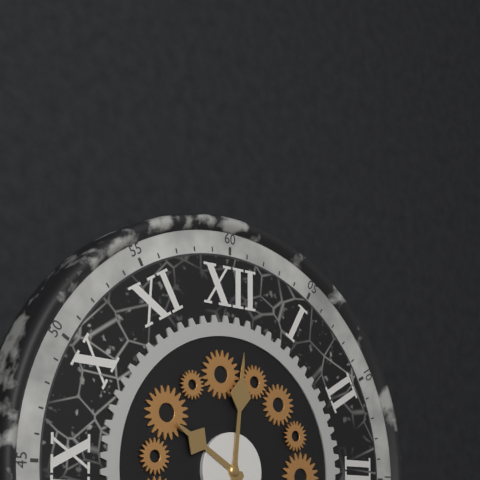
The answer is 10:01
